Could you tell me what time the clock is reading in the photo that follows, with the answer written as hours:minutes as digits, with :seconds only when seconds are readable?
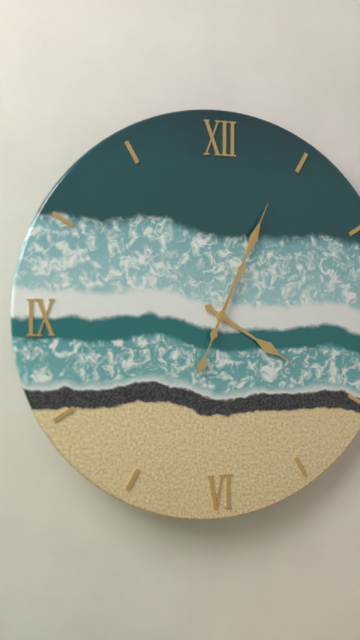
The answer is 4:04:04
